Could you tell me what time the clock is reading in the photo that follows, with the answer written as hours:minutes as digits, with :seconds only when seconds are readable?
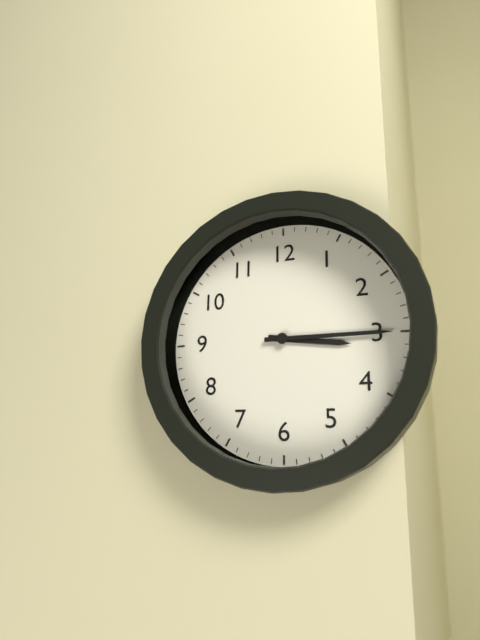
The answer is 3:15
